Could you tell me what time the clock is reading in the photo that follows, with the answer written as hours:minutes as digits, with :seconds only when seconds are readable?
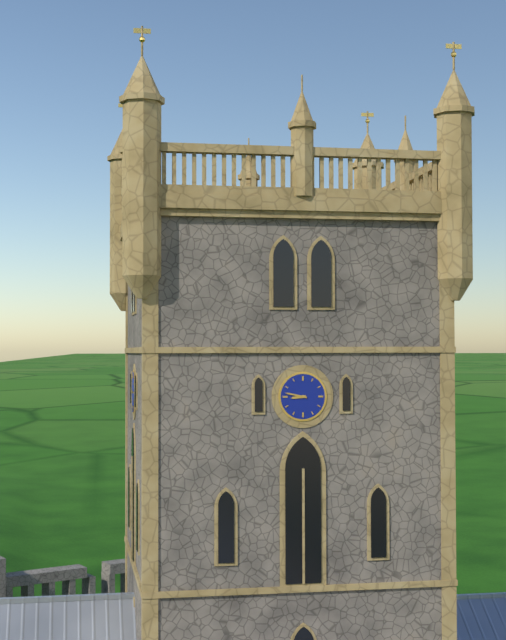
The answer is 8:47
